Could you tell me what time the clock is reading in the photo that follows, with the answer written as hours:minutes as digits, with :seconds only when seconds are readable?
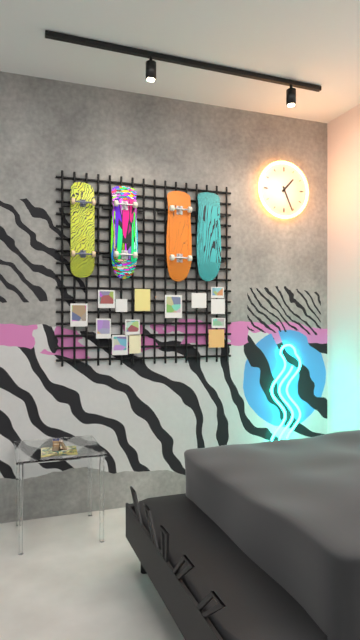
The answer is 1:26
